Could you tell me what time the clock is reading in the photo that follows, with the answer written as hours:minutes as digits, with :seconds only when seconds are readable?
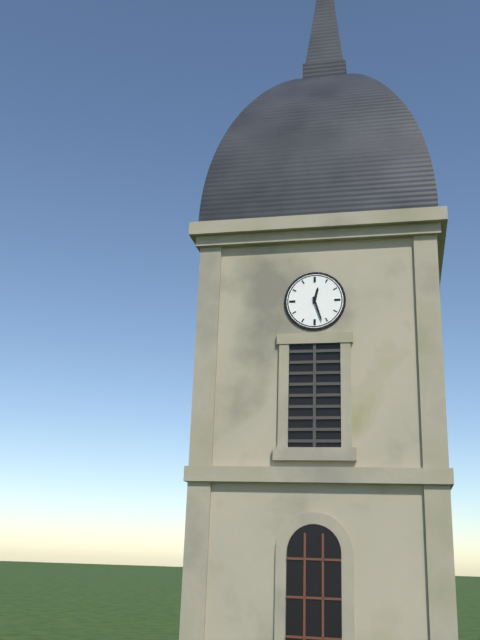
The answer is 12:27
